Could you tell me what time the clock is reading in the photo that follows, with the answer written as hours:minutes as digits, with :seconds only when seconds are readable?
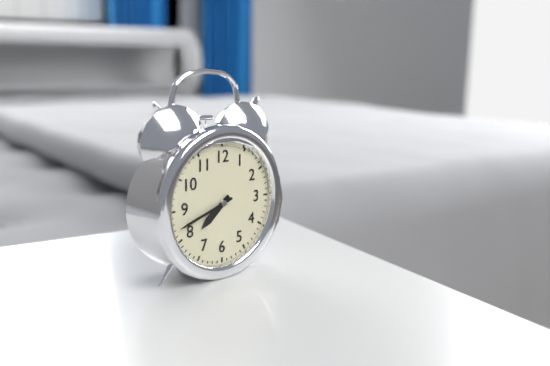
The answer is 7:42
